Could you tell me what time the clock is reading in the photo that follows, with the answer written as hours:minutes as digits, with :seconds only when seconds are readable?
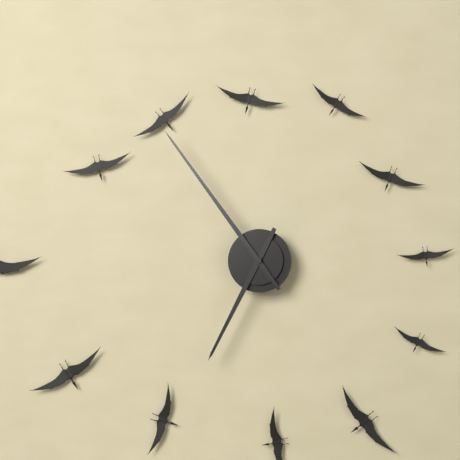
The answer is 6:54
